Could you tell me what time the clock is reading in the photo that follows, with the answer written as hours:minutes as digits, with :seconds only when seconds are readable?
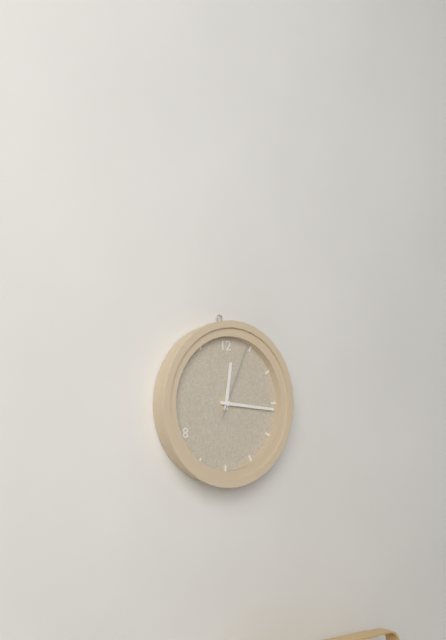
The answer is 12:16:04
